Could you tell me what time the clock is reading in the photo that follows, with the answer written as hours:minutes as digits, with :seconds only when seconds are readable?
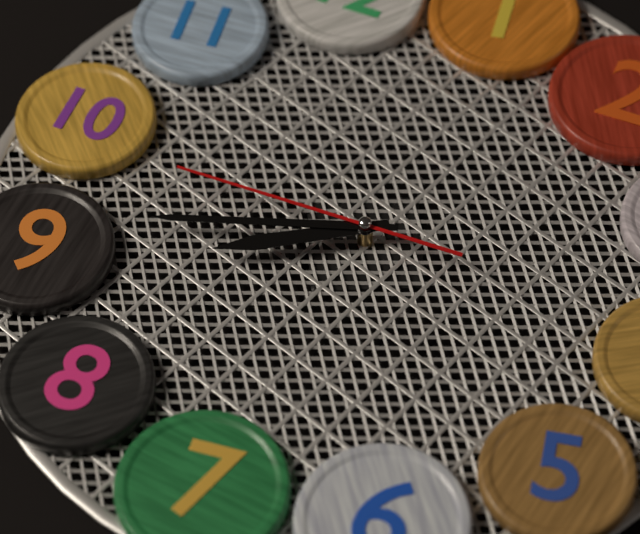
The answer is 8:46:49
